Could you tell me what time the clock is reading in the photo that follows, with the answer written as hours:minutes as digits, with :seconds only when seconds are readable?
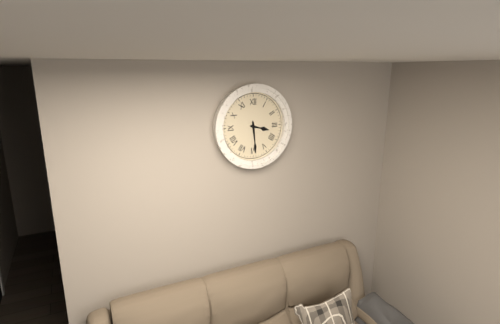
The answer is 3:29
